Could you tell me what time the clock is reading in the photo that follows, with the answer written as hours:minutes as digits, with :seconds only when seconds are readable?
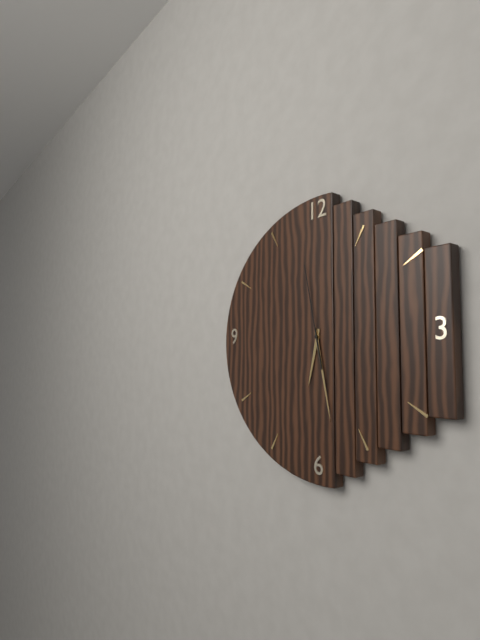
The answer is 6:28:58
